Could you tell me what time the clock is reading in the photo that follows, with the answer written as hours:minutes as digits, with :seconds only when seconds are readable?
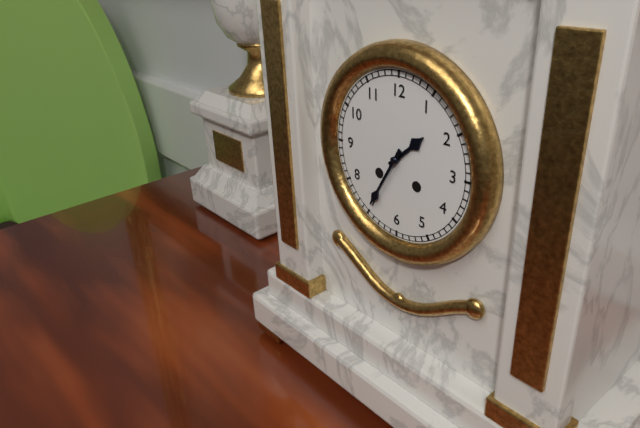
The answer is 1:35
